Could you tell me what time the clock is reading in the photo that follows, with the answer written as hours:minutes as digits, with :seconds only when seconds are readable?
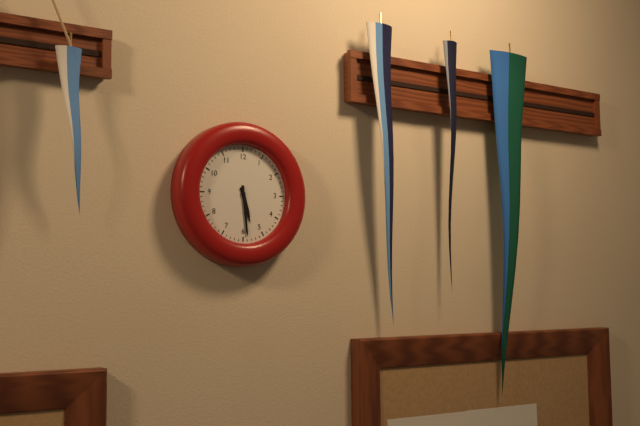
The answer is 5:29
